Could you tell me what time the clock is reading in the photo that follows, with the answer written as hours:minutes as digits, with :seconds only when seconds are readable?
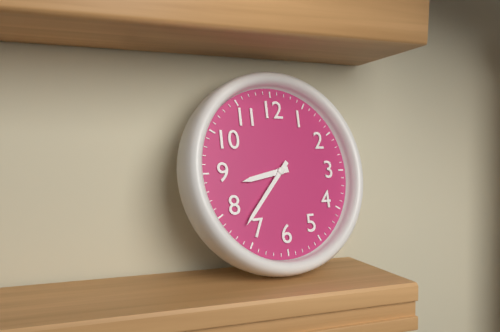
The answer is 8:37
